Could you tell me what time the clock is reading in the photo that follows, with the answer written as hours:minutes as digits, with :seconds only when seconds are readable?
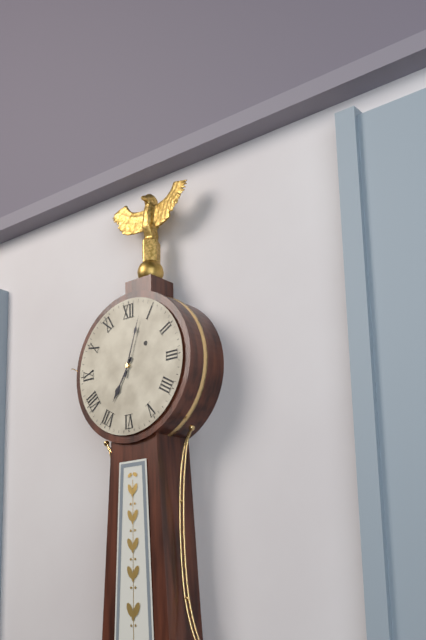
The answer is 7:03
